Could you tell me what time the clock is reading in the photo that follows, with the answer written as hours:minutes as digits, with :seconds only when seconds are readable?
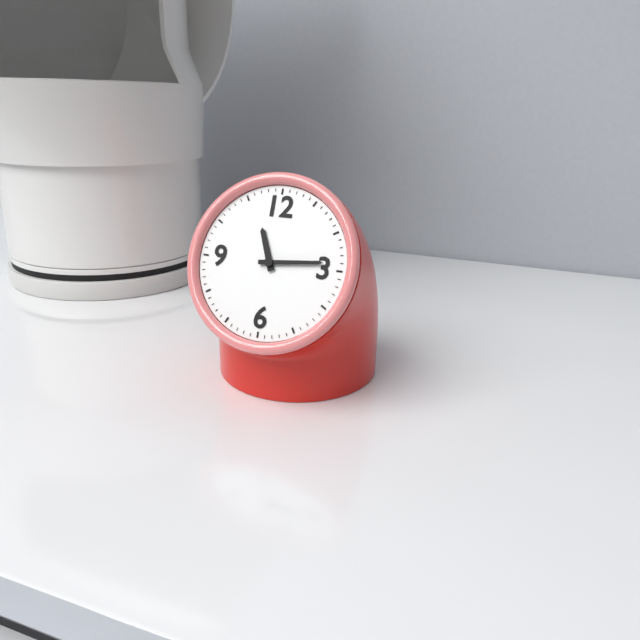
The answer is 11:14
